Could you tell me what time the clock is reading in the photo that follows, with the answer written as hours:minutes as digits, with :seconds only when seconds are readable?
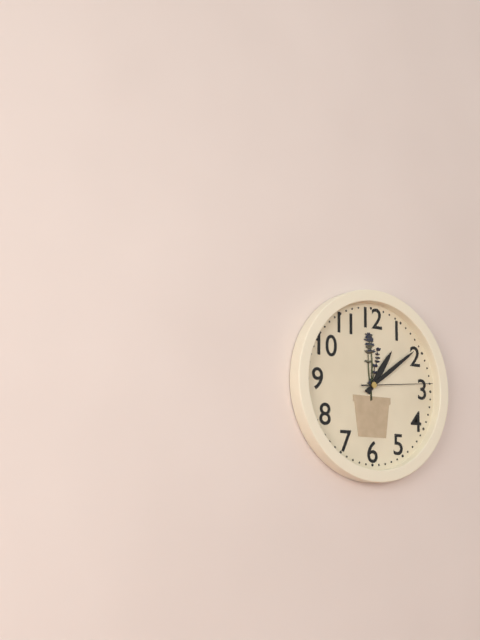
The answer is 1:09:14
